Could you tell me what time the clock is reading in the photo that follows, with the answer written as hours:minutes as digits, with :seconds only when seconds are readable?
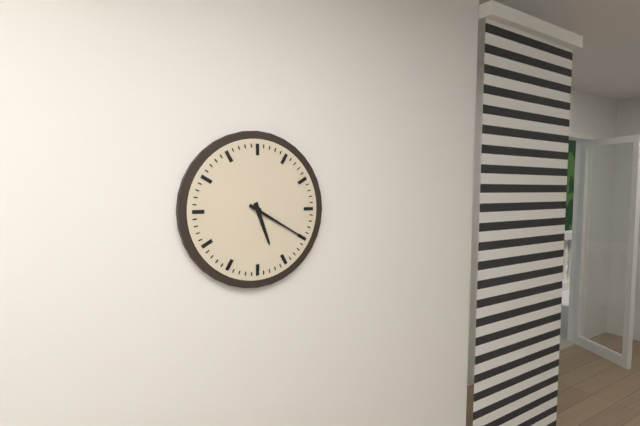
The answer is 5:20
